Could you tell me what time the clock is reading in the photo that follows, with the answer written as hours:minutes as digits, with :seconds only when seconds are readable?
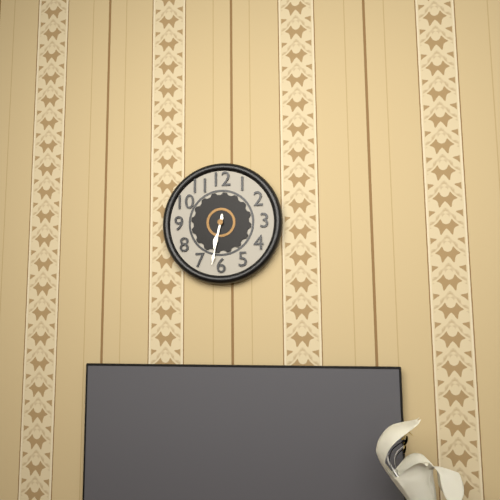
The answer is 6:32
